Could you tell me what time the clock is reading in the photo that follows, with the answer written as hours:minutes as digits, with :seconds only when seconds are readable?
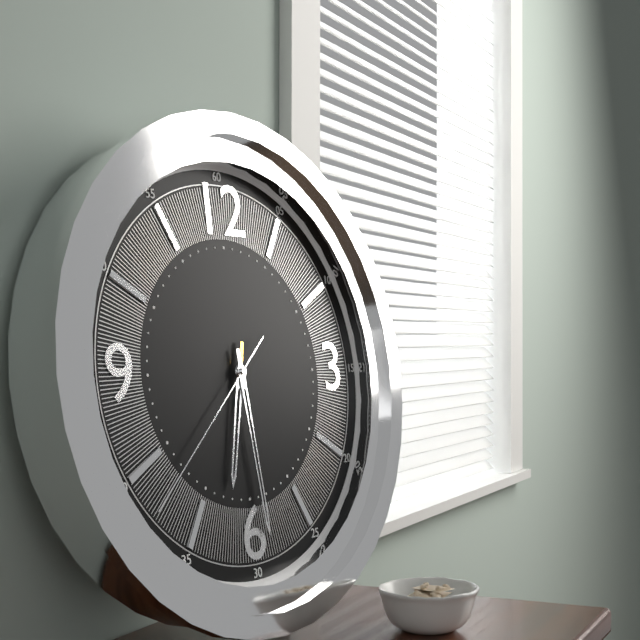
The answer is 6:29:38
